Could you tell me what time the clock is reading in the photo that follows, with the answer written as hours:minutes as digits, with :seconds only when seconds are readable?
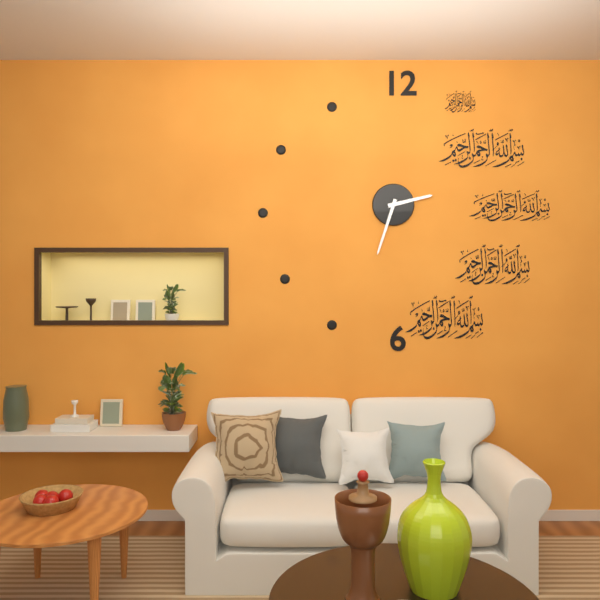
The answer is 2:33
